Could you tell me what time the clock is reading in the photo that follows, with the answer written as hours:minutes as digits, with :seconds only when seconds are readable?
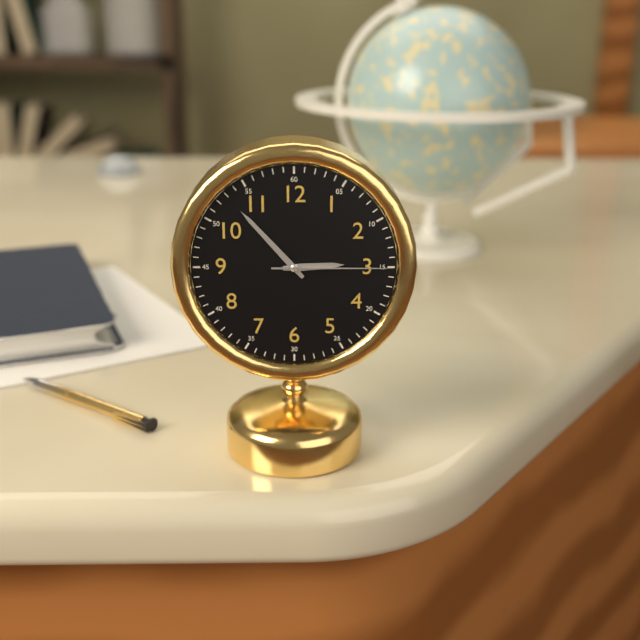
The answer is 2:53:15
